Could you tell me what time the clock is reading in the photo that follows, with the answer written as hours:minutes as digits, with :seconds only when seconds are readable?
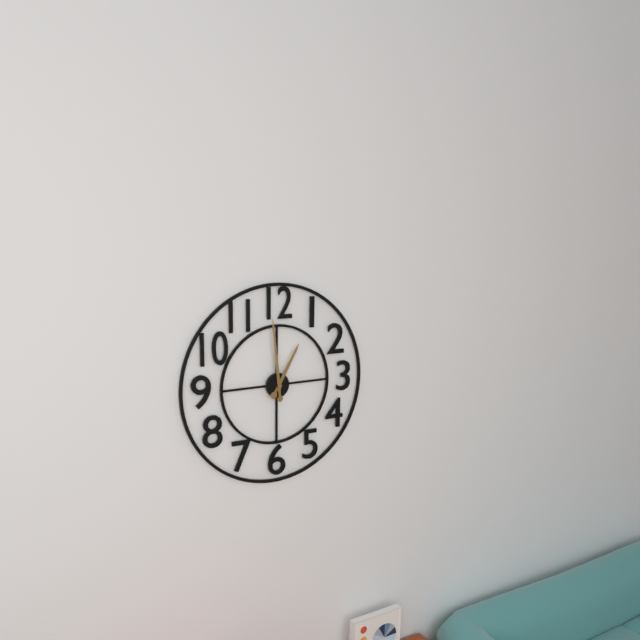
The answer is 12:59
